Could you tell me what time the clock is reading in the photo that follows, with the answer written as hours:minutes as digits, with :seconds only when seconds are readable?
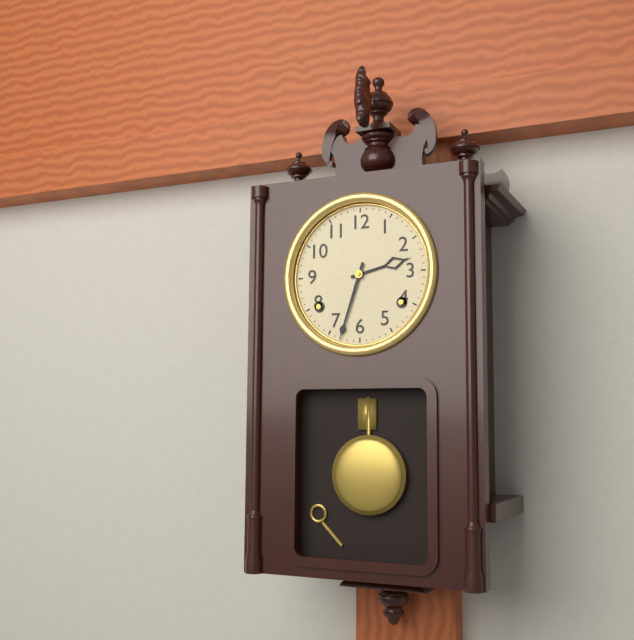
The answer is 2:33
